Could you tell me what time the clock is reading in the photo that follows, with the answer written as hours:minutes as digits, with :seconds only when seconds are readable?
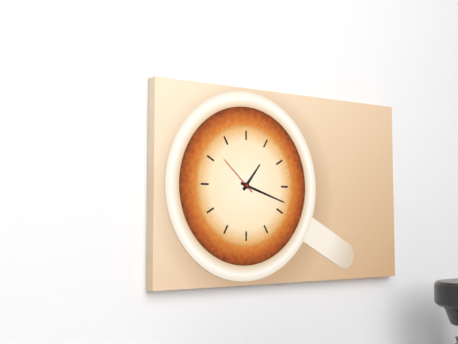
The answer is 1:18
